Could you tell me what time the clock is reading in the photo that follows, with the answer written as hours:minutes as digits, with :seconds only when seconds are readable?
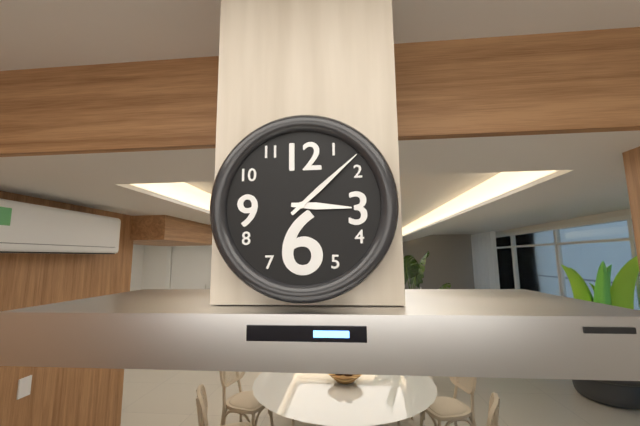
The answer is 3:08
